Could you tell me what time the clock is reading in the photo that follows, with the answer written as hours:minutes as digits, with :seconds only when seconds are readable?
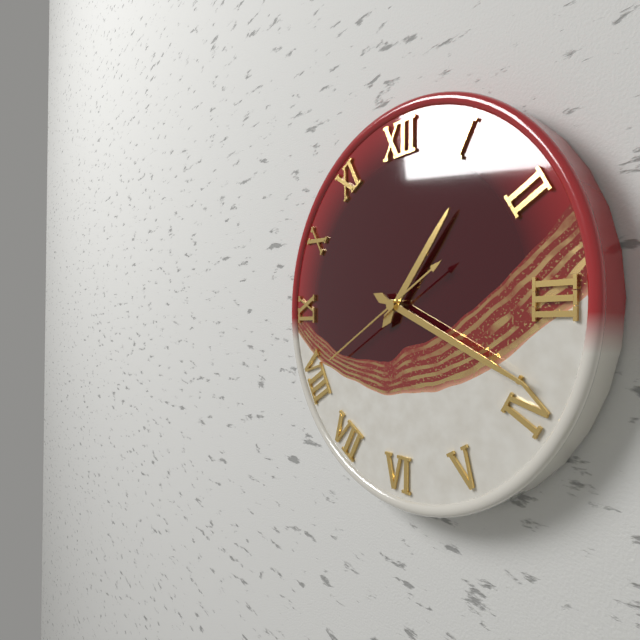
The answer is 1:19:40
